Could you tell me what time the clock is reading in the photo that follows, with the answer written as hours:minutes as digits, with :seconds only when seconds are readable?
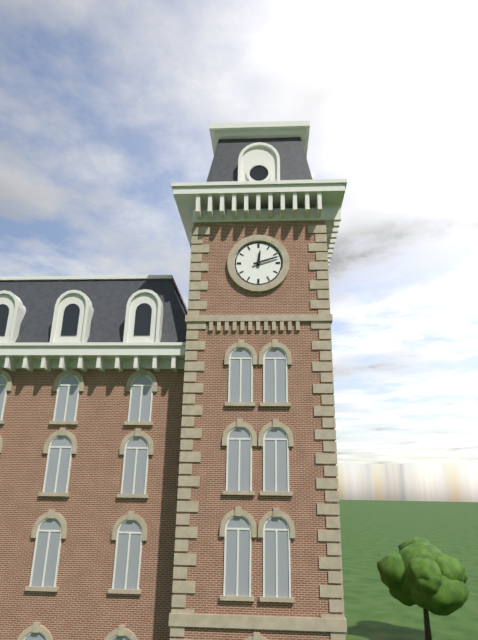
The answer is 12:12
